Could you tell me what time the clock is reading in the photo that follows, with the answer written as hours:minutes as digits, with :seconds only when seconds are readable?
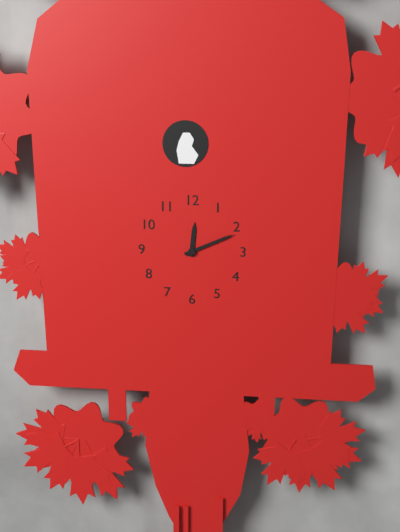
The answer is 12:11
